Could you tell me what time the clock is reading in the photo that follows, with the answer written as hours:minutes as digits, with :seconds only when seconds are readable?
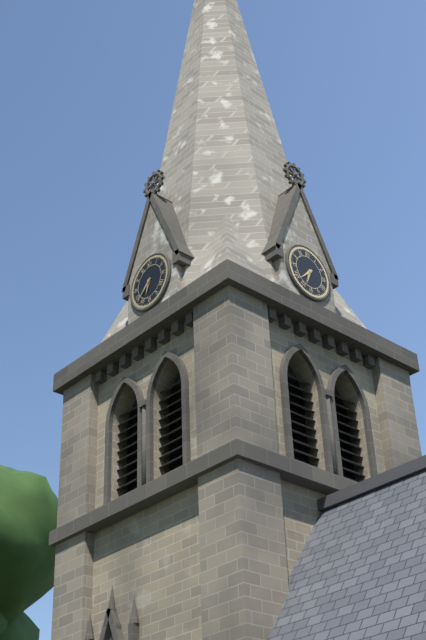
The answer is 6:38
